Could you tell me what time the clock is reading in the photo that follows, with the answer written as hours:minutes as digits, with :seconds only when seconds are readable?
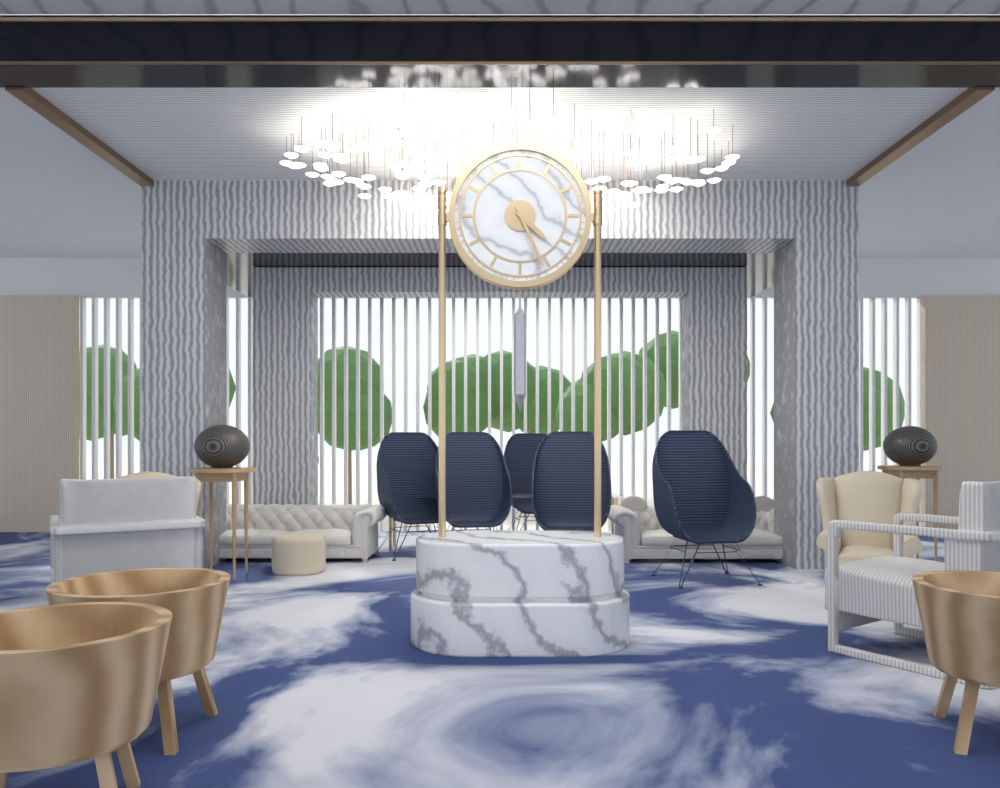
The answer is 4:26
